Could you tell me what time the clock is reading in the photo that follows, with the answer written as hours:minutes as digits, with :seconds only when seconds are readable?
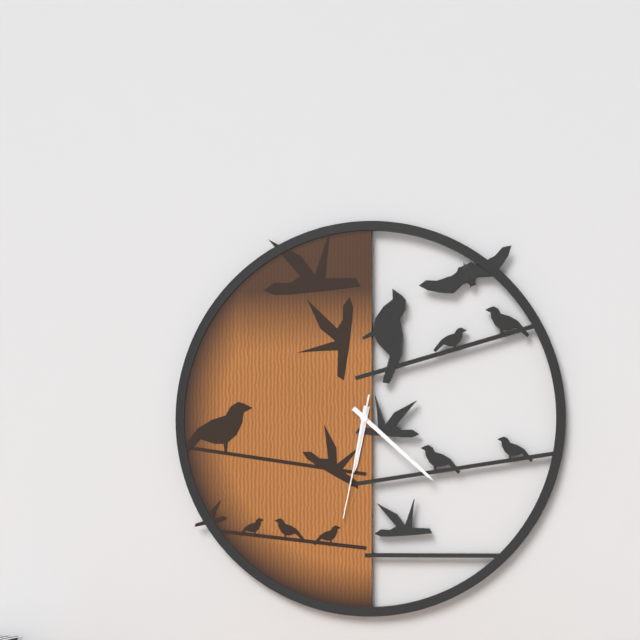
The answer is 6:22:32
